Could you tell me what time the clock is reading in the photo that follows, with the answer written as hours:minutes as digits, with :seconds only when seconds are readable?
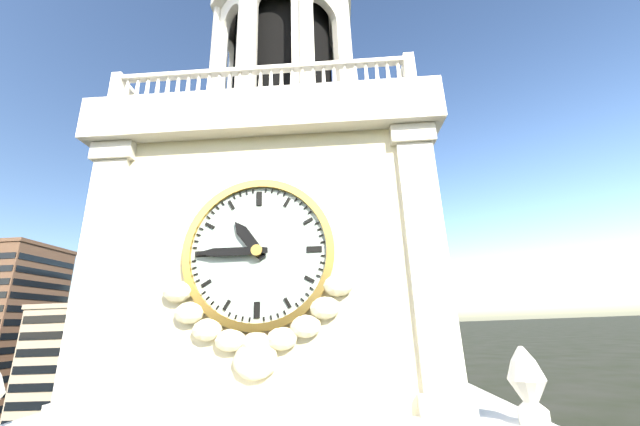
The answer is 10:45
